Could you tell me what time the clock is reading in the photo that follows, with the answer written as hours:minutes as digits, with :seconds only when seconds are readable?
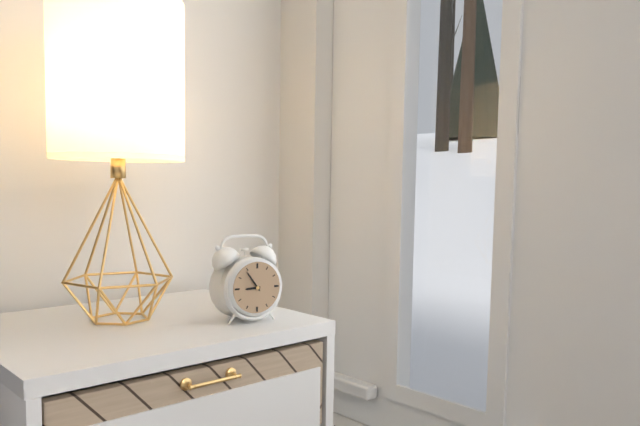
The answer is 8:54
